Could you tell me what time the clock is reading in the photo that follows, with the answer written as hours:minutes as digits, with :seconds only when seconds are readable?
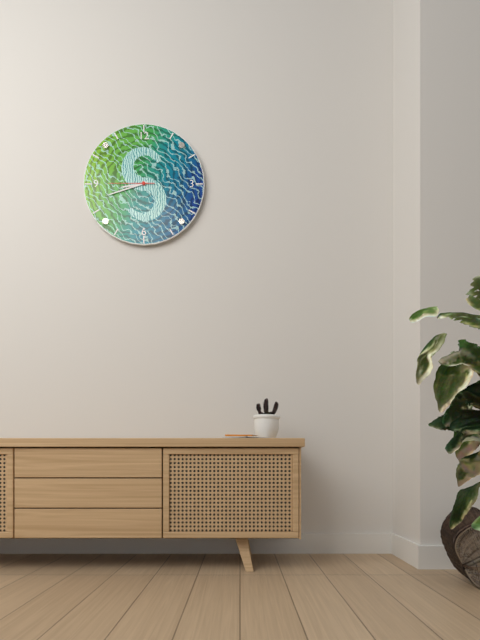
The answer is 8:42
